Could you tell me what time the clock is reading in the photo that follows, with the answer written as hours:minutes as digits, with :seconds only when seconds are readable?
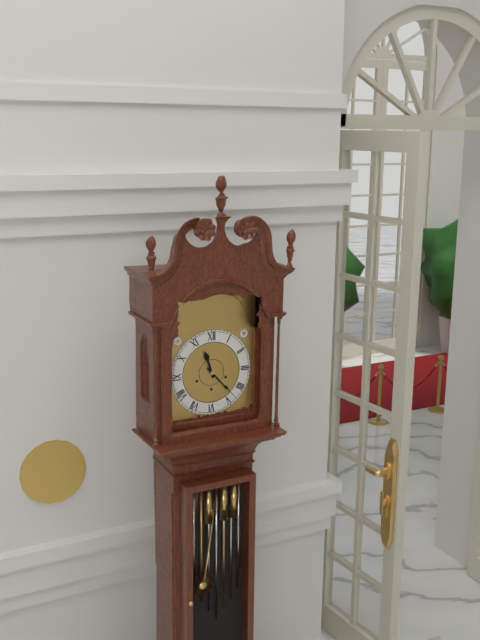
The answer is 11:23
